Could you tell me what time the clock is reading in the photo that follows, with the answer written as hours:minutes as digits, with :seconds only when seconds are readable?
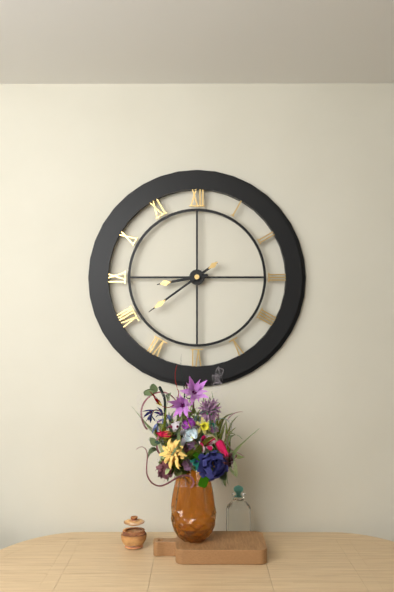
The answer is 8:39
